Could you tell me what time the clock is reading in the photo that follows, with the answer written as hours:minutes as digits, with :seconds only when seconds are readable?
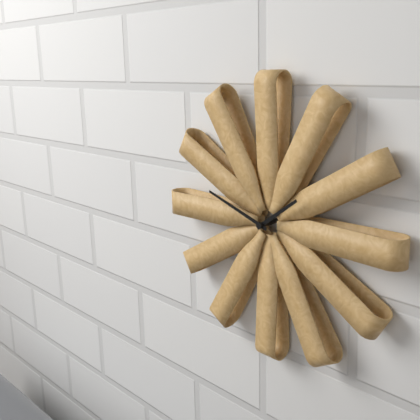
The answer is 1:48
